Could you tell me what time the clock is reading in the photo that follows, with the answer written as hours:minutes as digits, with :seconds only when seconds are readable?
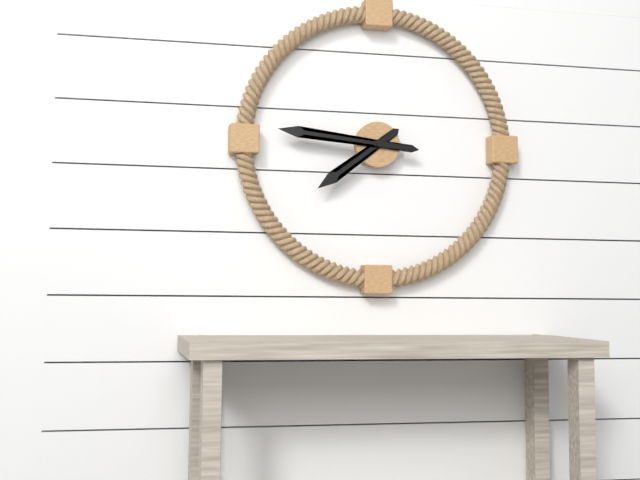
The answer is 7:46
